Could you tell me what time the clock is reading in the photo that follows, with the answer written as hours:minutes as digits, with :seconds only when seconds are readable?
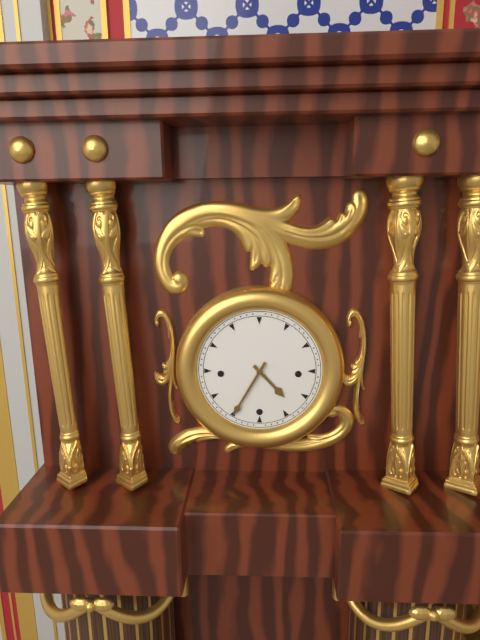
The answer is 4:35
